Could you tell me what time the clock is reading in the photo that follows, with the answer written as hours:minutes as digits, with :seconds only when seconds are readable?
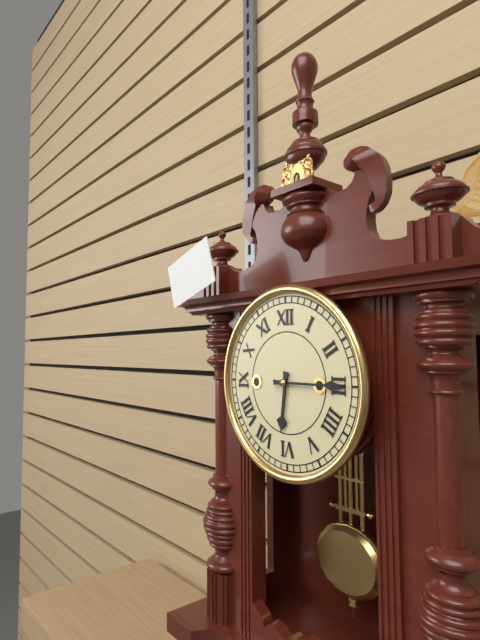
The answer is 6:15
